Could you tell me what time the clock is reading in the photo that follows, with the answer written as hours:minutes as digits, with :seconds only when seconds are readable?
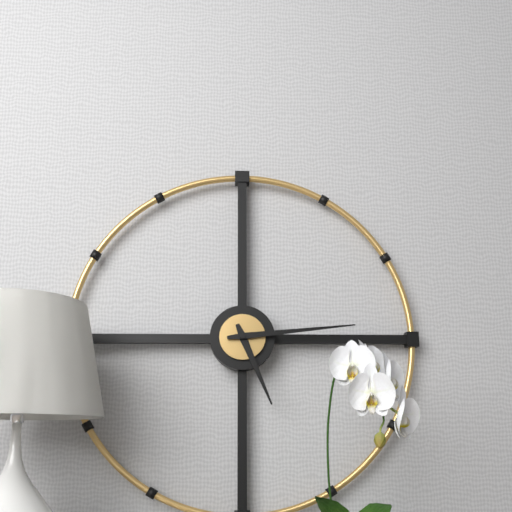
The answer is 5:14
